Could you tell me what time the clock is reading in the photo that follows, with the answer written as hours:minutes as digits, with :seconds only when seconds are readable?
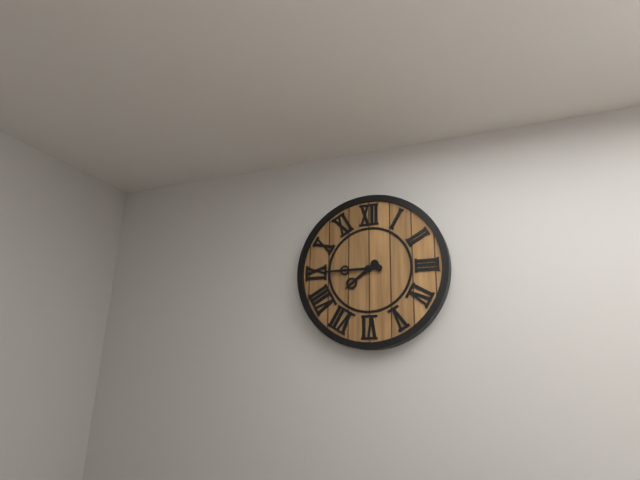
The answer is 7:45
